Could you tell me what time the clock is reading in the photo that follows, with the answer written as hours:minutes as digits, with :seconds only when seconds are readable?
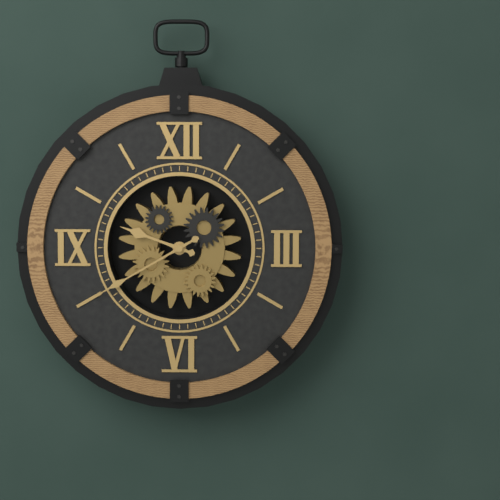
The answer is 9:40
